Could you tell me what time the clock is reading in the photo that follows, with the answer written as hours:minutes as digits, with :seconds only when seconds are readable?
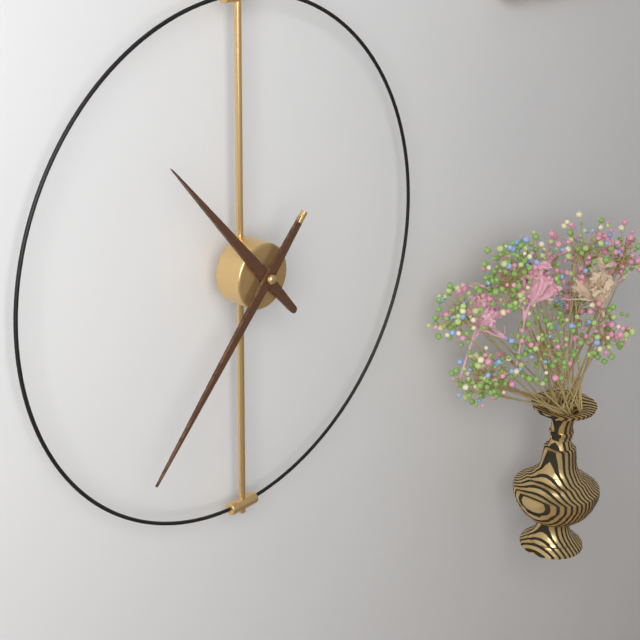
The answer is 10:37
